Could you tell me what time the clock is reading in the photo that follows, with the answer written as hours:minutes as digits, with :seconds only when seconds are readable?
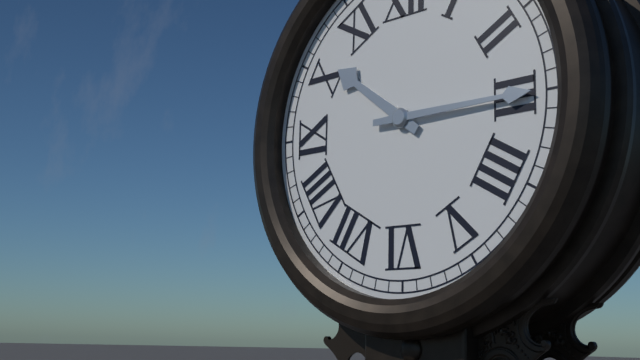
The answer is 10:15
